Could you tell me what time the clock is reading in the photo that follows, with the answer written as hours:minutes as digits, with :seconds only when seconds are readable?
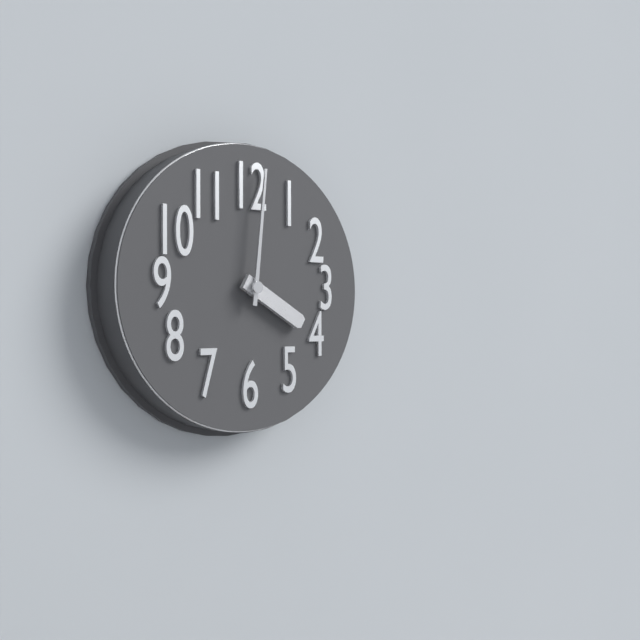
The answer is 4:01
